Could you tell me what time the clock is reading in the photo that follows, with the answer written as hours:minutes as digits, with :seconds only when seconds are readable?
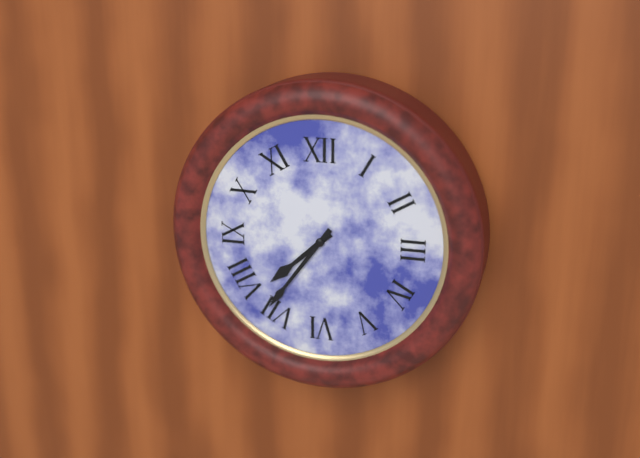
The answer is 7:36
